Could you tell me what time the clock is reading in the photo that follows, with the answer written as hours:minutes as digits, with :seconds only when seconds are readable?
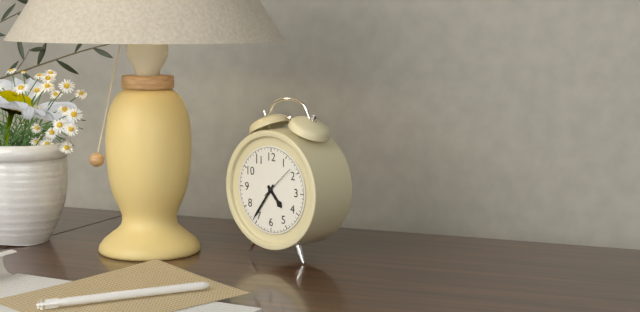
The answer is 4:36
